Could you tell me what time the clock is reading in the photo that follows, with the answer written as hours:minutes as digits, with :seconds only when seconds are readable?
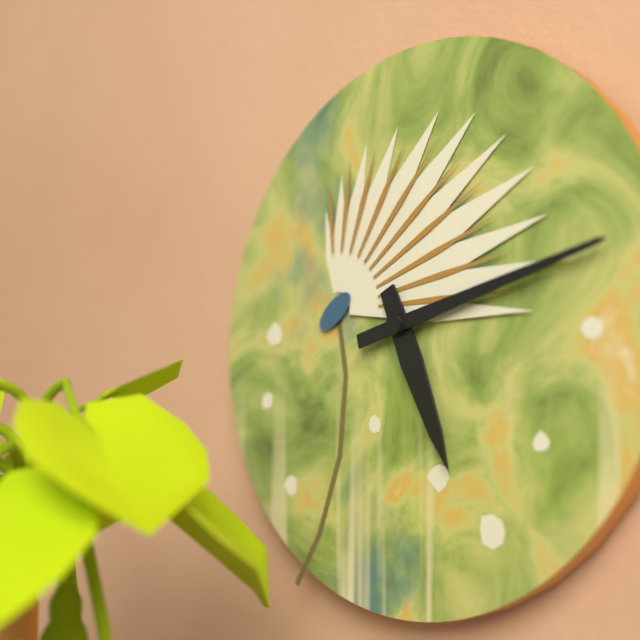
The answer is 5:13
